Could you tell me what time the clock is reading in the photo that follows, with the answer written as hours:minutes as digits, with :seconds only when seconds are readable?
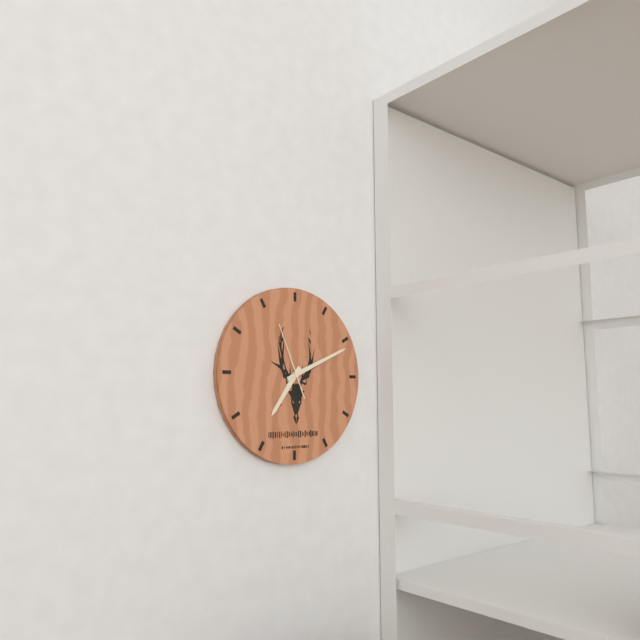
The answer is 7:11:56
